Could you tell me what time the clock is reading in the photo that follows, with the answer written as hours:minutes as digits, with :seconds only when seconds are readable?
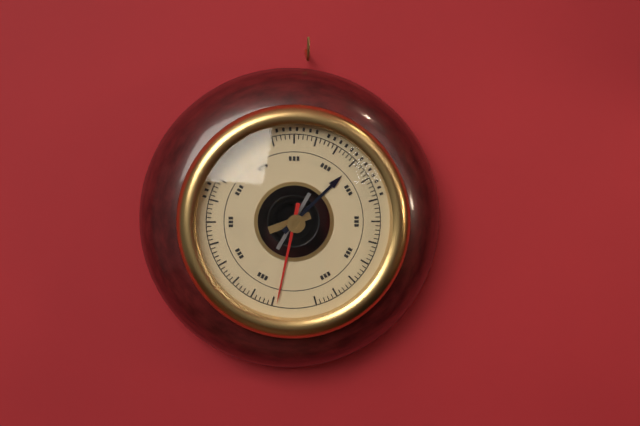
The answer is 1:32
